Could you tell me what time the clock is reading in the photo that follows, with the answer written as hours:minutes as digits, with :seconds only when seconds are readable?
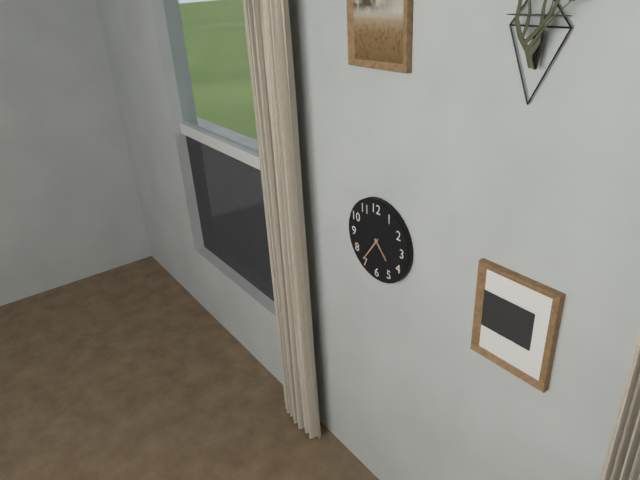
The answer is 4:36
